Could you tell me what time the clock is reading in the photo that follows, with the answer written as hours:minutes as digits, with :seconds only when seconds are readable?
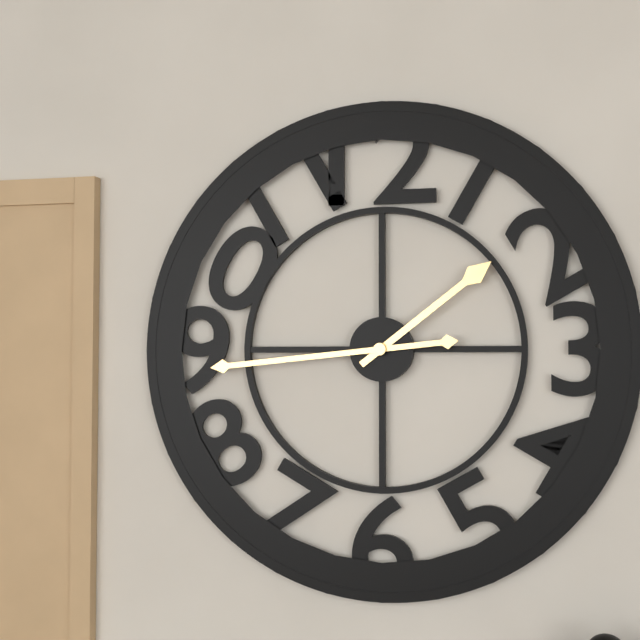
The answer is 1:44
